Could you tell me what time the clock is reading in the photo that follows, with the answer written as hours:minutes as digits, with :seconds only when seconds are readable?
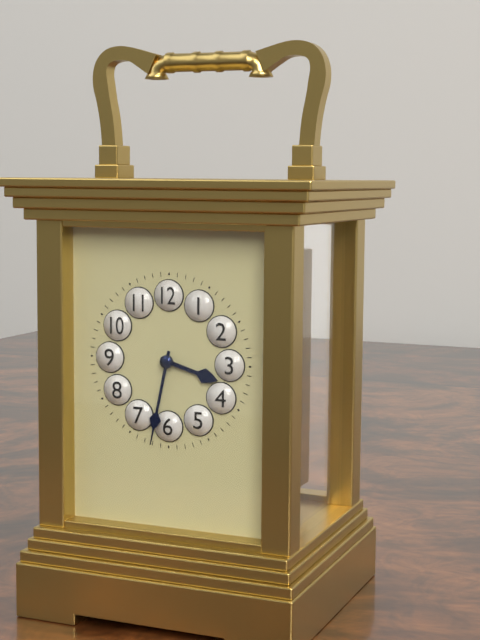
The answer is 3:32
